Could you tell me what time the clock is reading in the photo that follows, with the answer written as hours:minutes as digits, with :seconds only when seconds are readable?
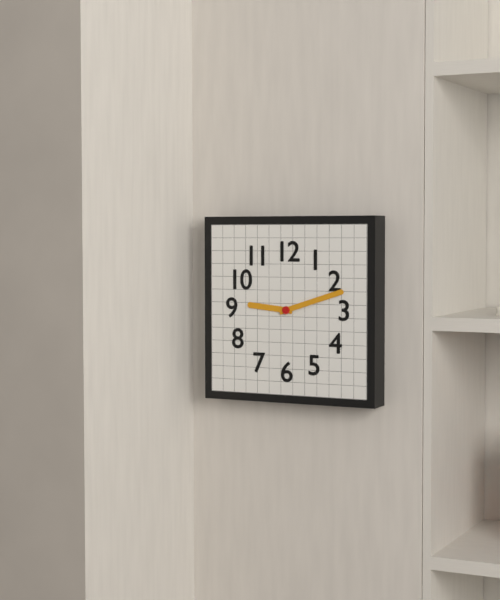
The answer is 9:12
